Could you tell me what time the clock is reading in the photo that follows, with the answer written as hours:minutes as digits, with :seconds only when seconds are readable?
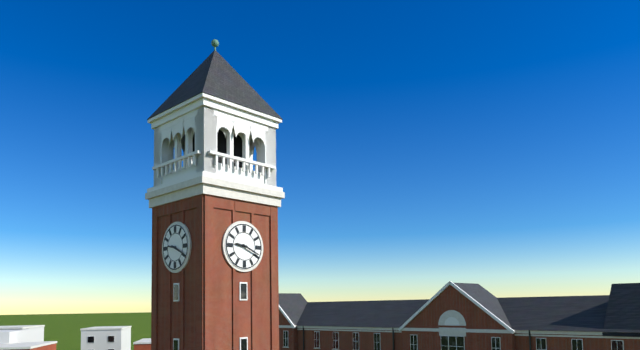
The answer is 9:19
